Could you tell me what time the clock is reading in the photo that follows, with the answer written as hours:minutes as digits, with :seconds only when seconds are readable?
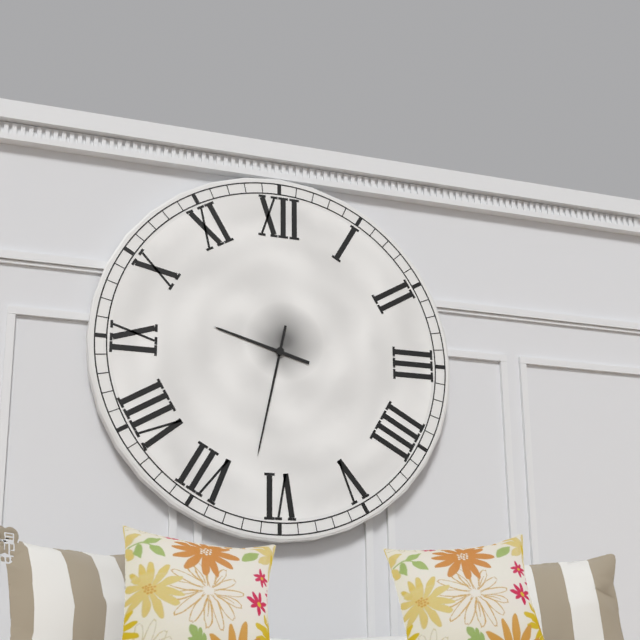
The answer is 9:32
